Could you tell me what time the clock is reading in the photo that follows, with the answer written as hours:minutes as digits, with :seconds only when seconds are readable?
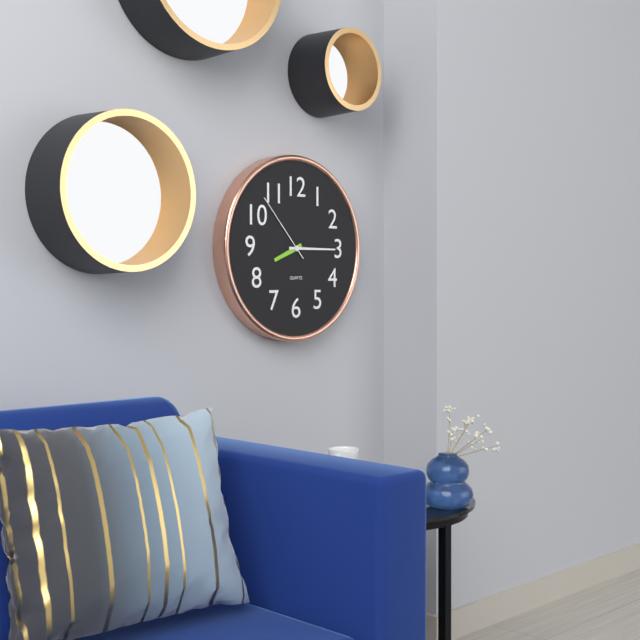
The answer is 8:15:53
